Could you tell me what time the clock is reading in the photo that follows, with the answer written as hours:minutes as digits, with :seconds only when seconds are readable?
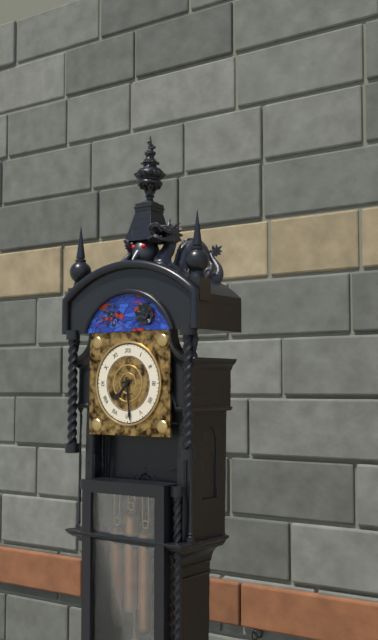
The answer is 7:29
